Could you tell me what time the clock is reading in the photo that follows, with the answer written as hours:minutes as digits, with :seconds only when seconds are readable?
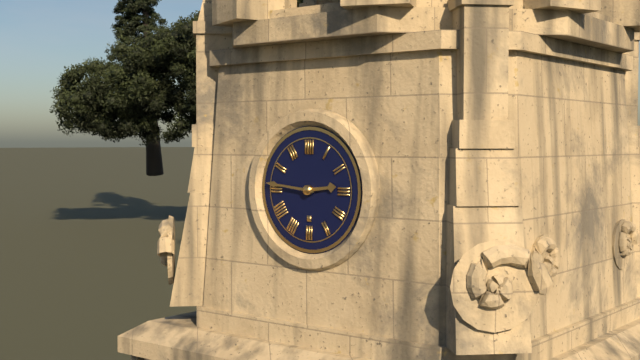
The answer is 2:46
